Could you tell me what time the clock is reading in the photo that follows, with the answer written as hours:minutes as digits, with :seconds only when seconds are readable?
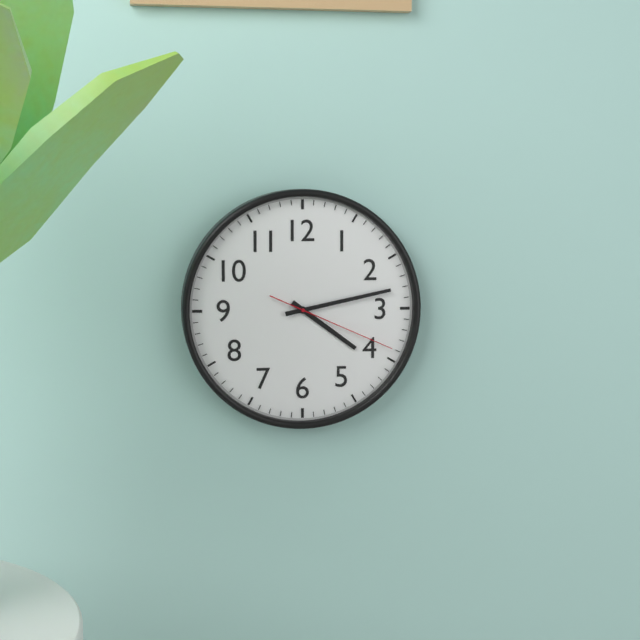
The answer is 4:13:19
